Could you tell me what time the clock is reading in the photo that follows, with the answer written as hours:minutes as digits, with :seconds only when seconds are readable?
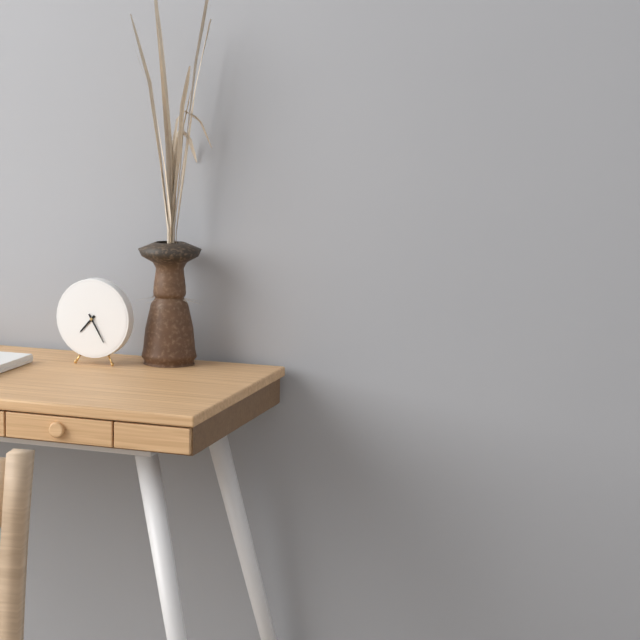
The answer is 7:25
